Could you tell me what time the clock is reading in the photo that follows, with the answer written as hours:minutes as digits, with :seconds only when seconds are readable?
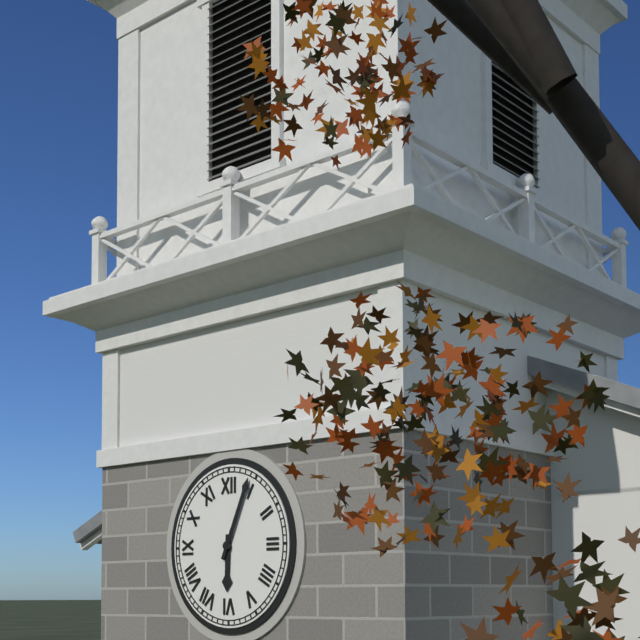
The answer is 6:04
